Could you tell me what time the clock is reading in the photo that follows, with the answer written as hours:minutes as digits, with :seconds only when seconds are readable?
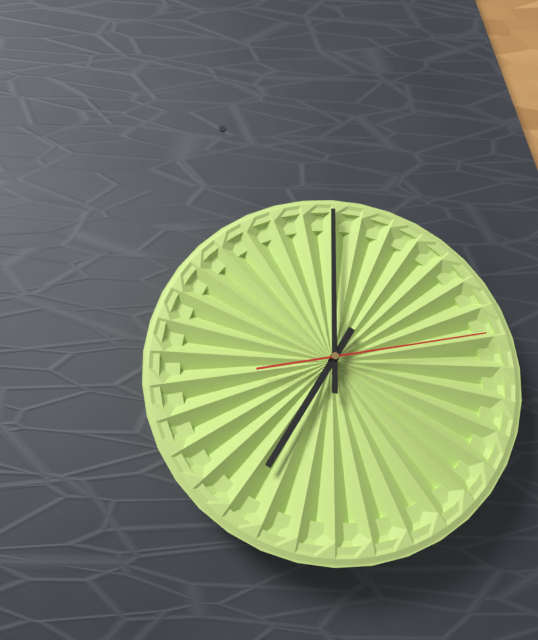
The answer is 7:00:13
